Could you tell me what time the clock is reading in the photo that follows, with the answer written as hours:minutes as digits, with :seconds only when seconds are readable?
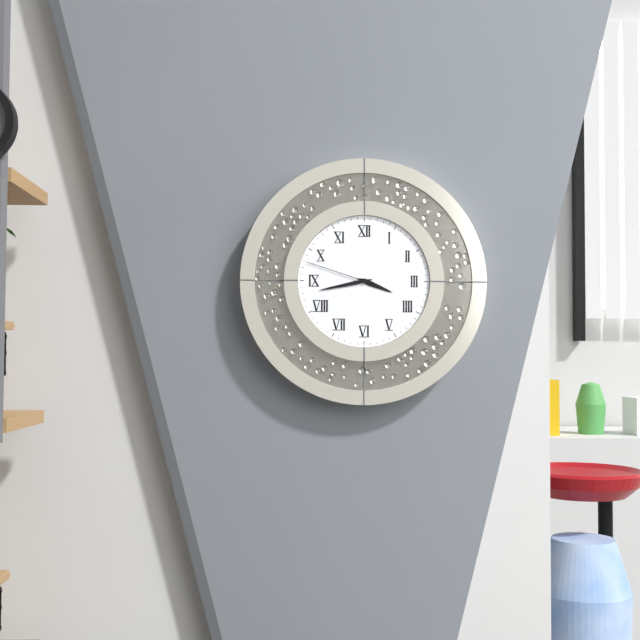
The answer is 3:43:48
